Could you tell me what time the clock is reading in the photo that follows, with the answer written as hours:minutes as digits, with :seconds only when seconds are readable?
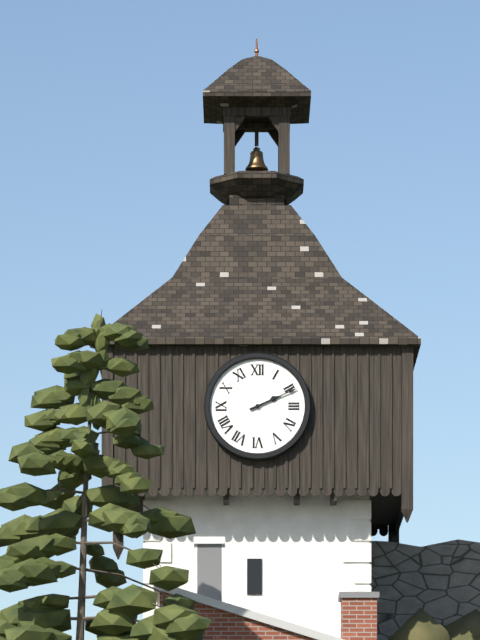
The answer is 2:11
